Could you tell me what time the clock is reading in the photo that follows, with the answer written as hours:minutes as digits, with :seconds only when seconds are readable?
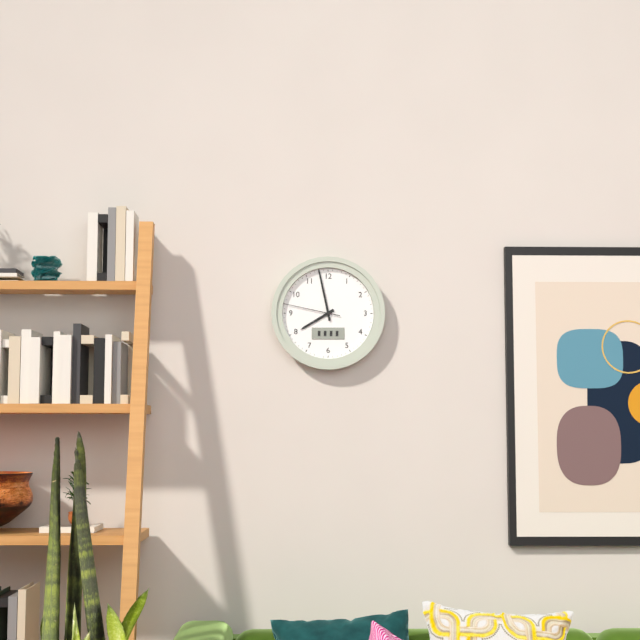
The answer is 7:58:47
